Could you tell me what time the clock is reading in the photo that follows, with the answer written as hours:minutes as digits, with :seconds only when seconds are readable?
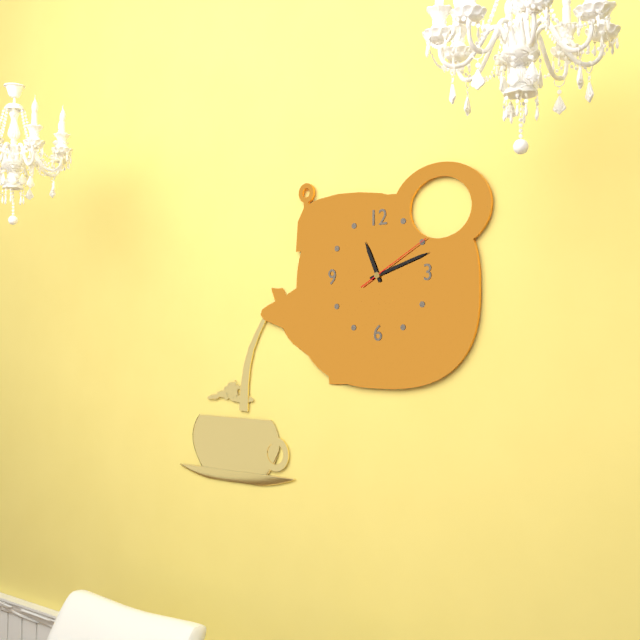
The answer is 11:12:10
